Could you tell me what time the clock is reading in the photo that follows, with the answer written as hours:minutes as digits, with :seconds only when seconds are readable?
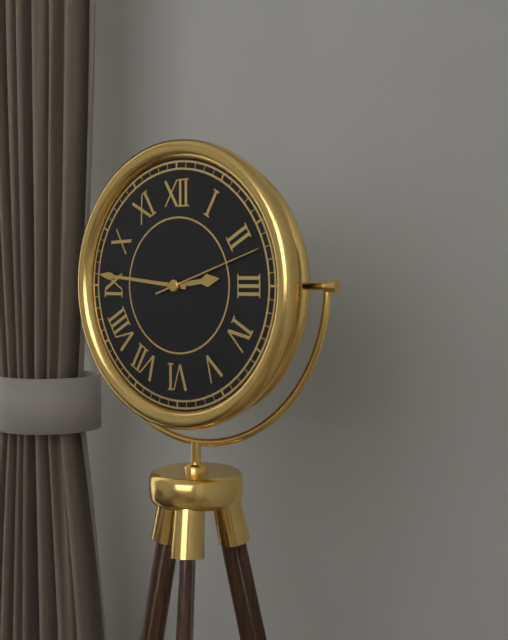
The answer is 2:46:12
